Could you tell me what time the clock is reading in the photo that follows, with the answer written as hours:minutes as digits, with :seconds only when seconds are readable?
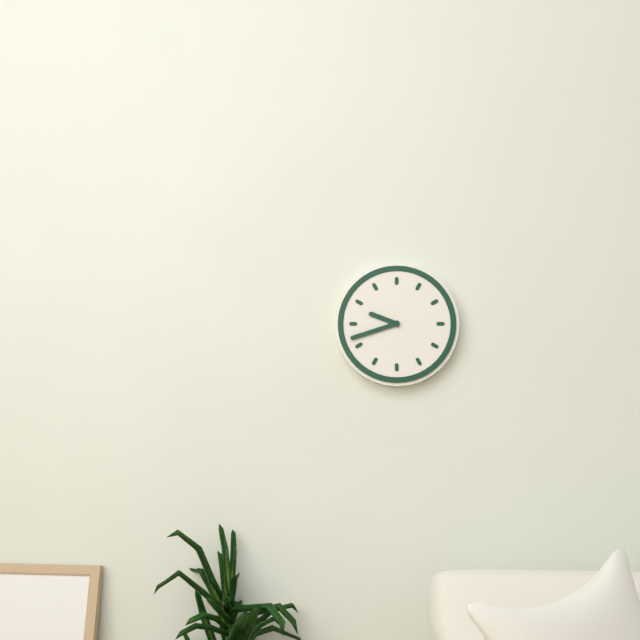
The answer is 9:42
